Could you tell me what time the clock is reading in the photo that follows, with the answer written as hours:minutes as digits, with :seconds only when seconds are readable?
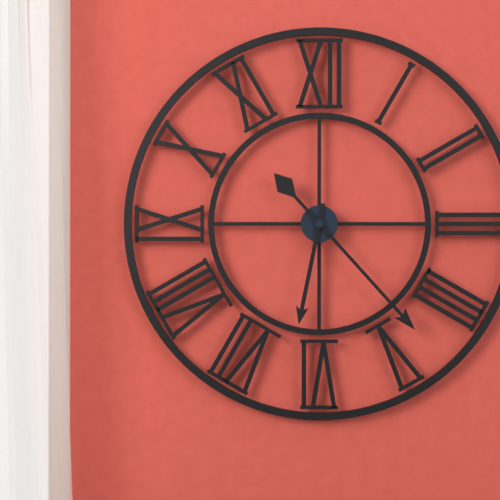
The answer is 6:23
